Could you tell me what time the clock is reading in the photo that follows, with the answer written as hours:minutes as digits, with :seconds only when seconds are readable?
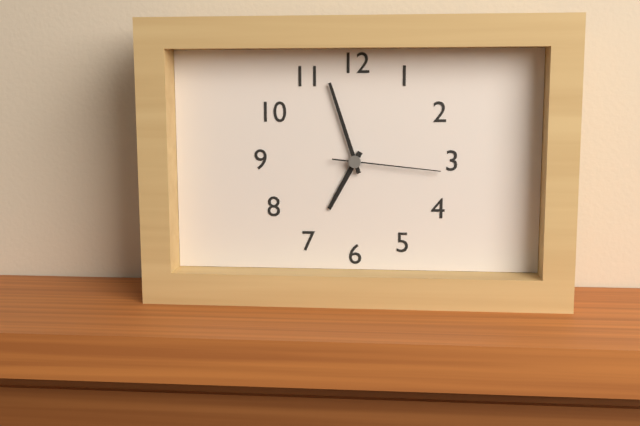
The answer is 6:57:16
